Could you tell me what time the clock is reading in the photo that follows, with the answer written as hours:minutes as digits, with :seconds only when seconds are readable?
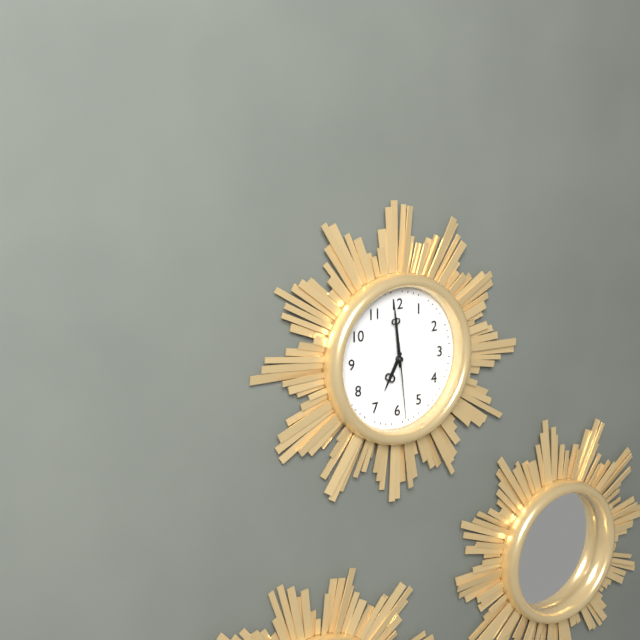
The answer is 6:59:29
